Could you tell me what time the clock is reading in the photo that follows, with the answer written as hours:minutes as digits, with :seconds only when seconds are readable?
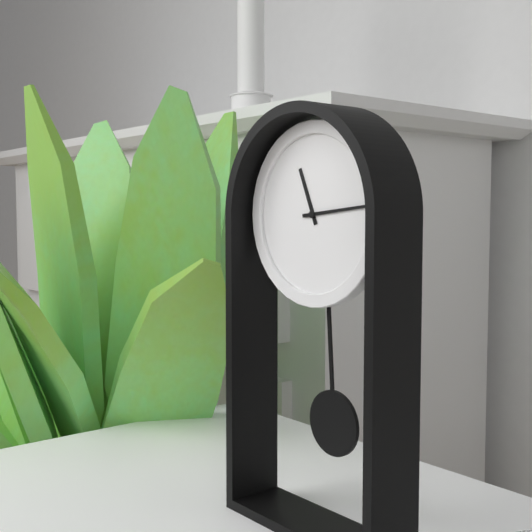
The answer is 11:14
